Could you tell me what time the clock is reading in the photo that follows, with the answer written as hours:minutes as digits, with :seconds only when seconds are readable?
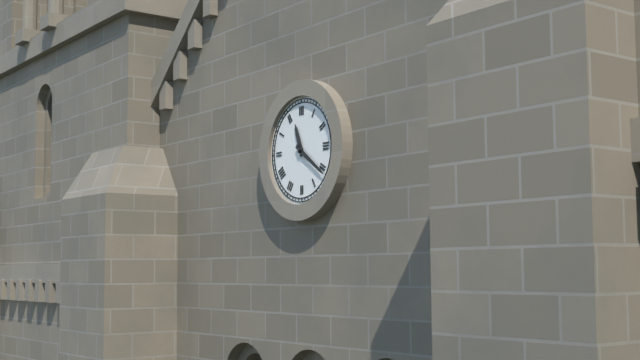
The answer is 11:21
